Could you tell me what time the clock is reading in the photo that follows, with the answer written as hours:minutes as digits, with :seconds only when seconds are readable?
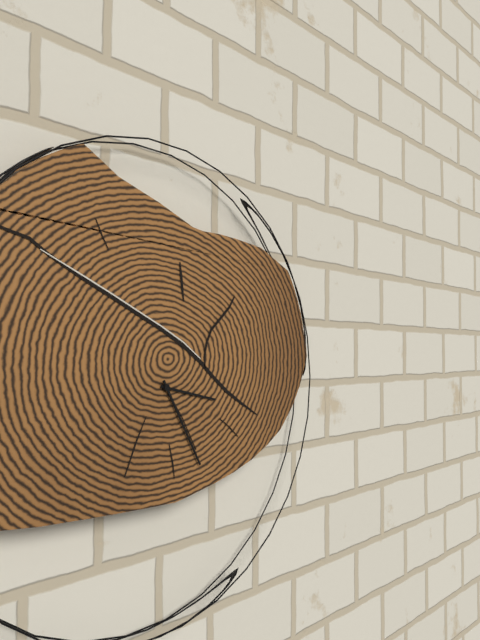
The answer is 3:25
